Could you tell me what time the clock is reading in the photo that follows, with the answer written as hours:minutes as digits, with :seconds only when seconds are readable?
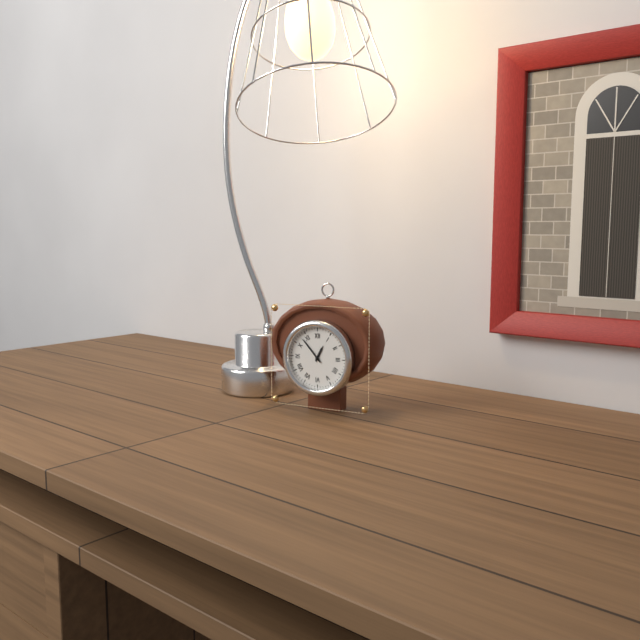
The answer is 12:53
